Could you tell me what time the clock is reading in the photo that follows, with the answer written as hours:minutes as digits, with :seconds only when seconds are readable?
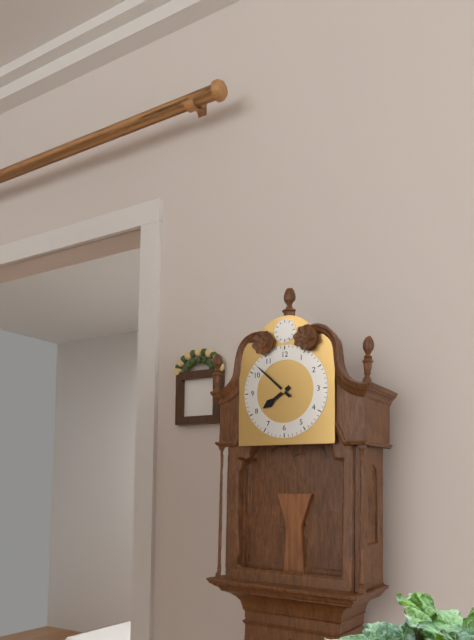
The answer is 7:52
